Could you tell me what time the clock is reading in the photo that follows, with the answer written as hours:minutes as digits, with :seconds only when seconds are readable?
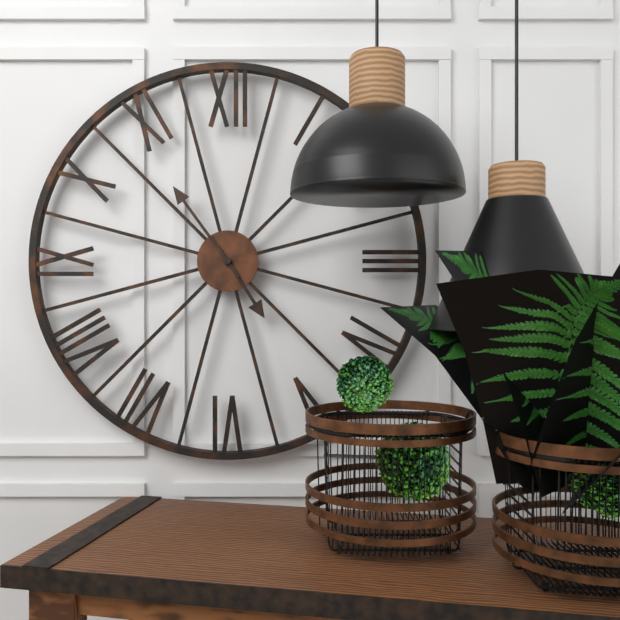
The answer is 4:54
